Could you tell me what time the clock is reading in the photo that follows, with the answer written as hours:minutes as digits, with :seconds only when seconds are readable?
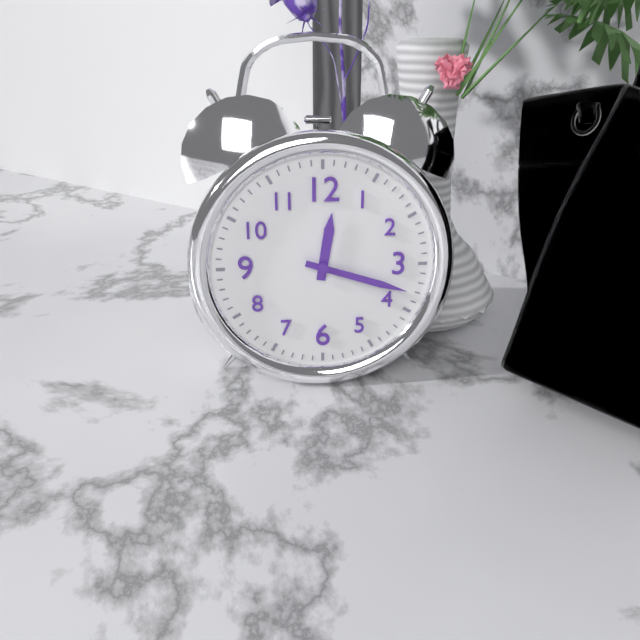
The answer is 12:18
